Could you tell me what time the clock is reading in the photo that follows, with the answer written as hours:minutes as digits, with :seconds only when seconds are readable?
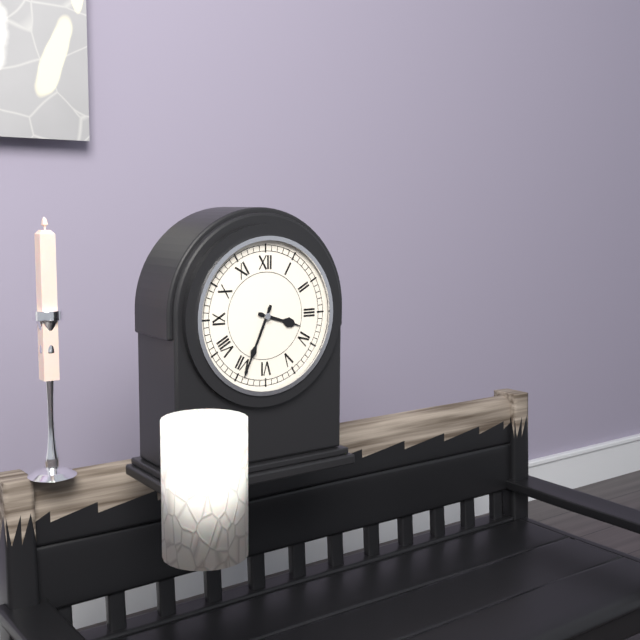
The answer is 3:34
